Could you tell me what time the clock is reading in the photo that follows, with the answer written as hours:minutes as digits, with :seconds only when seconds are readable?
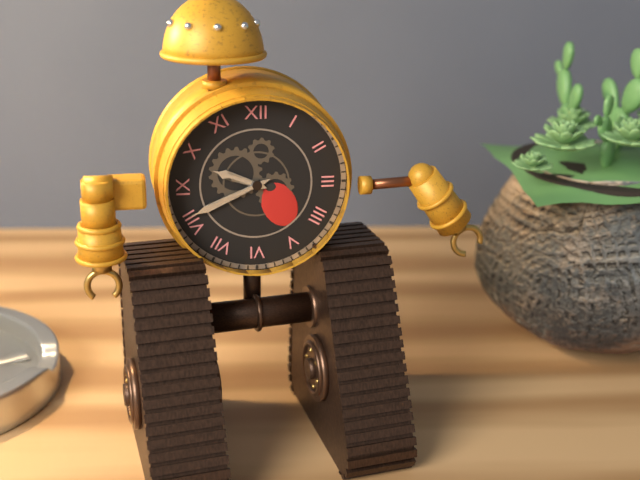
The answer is 9:41
